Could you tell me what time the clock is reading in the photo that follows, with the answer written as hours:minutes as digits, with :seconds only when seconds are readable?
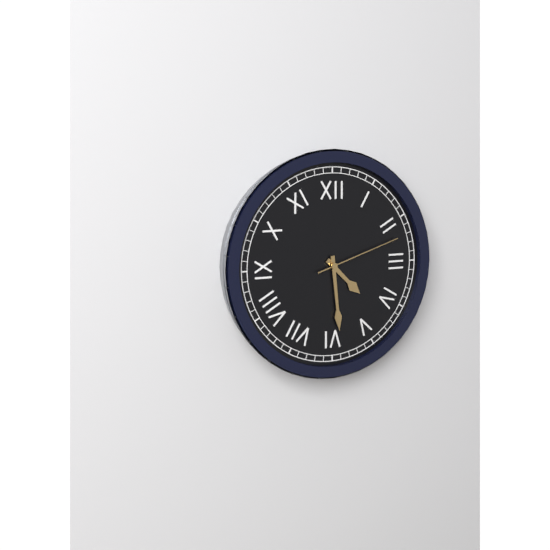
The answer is 4:29:12
